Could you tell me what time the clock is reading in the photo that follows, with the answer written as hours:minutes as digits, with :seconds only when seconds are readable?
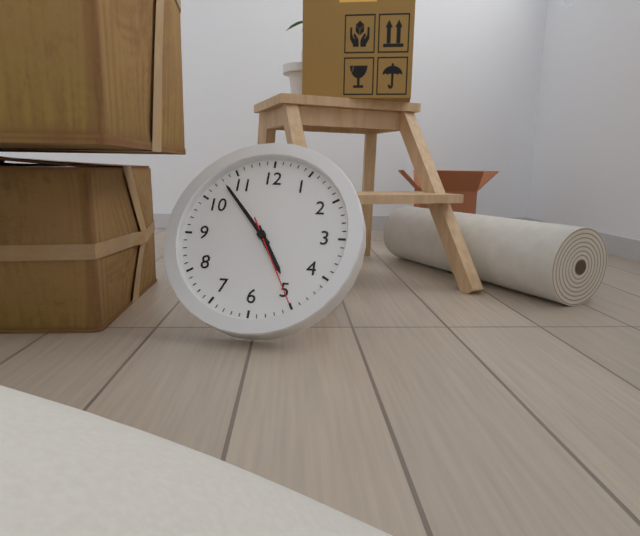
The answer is 4:53:25
